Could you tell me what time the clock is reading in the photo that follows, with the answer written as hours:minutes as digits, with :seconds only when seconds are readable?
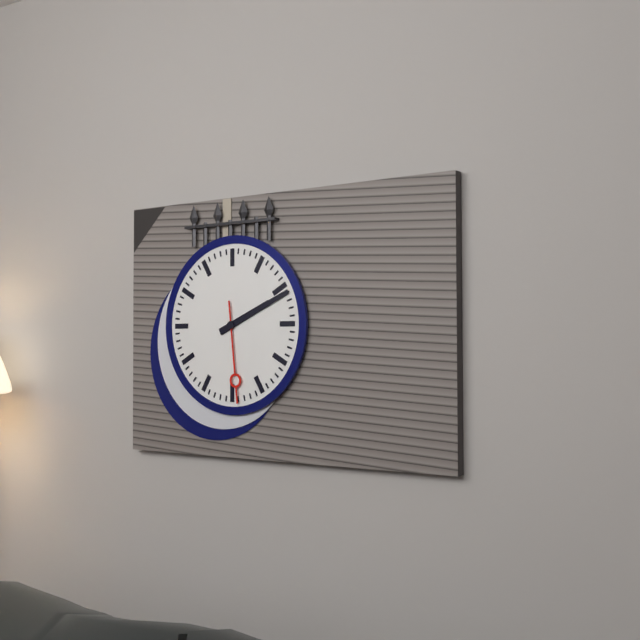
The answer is 2:11:29
